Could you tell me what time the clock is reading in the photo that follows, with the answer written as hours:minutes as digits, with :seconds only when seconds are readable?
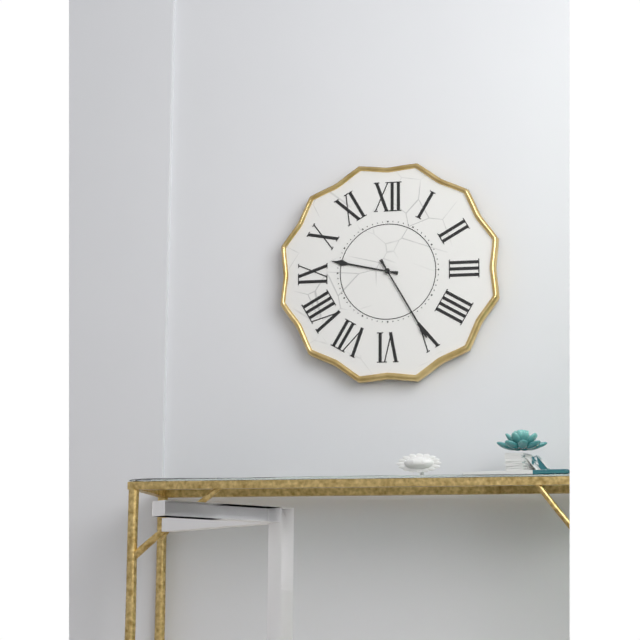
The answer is 9:25
